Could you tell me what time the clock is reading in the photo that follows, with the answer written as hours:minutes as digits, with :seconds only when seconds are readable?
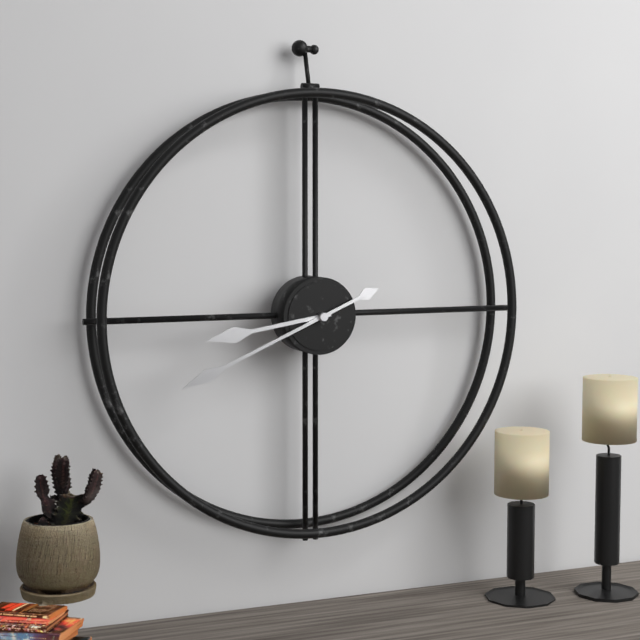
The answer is 8:41
